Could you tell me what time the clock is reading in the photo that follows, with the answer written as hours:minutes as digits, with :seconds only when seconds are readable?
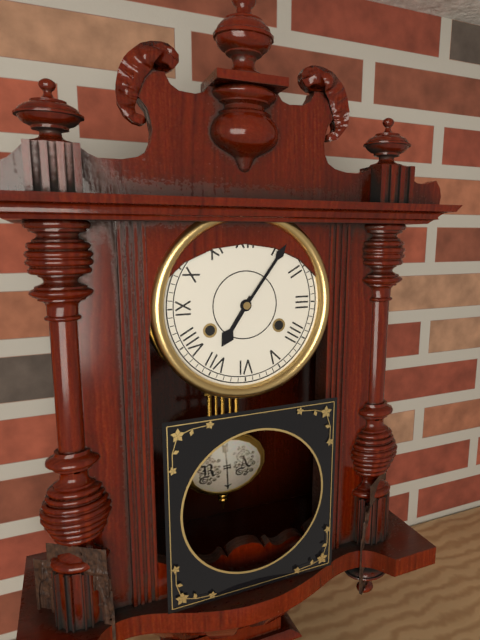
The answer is 7:06
